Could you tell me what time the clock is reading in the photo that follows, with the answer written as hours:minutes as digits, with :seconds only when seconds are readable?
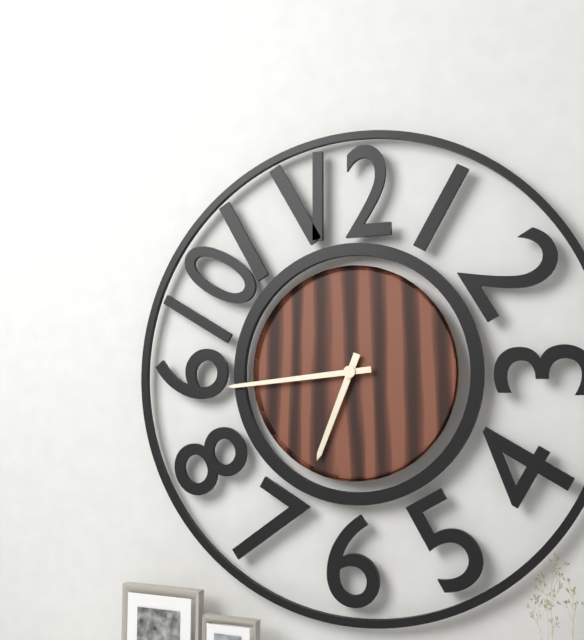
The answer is 6:44
